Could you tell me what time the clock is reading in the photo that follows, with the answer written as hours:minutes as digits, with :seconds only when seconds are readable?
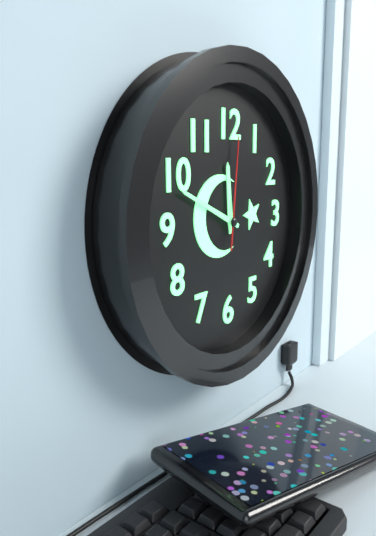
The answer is 11:49:01
